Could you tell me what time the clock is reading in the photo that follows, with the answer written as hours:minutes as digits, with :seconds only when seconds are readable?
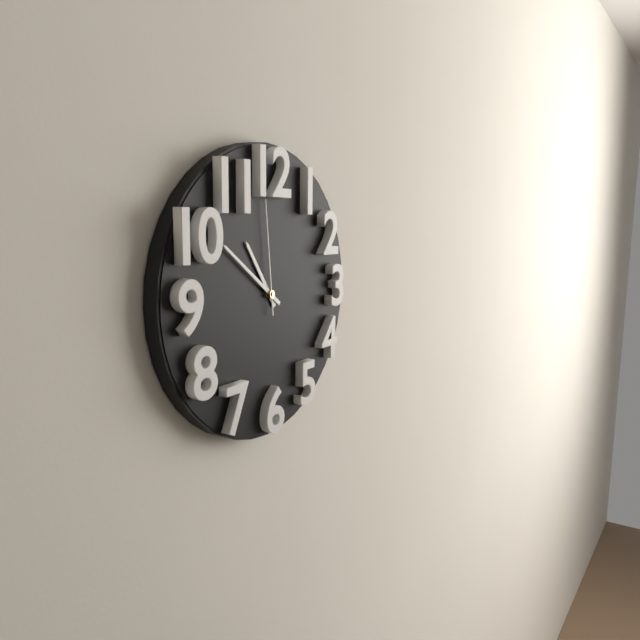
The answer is 10:51:59
